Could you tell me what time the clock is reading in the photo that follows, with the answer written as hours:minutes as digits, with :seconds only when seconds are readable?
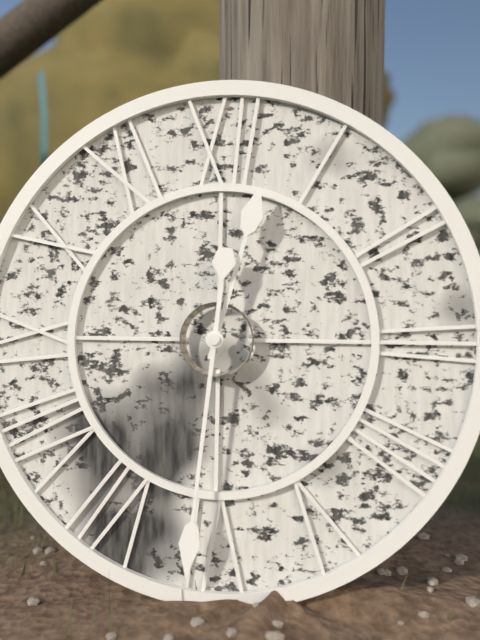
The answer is 12:31
